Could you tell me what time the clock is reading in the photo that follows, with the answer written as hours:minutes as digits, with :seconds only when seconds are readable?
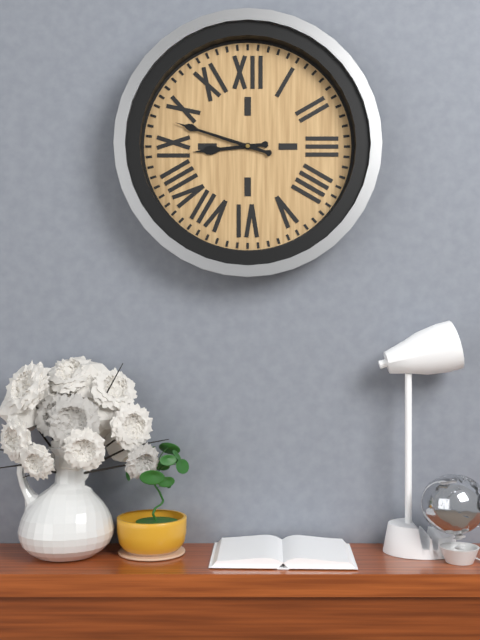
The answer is 8:48
